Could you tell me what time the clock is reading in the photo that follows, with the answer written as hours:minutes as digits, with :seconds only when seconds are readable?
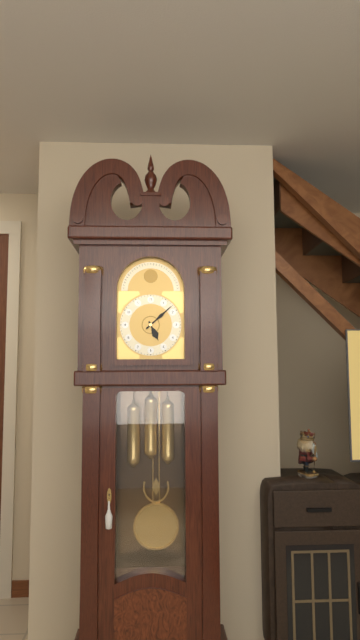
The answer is 5:08
